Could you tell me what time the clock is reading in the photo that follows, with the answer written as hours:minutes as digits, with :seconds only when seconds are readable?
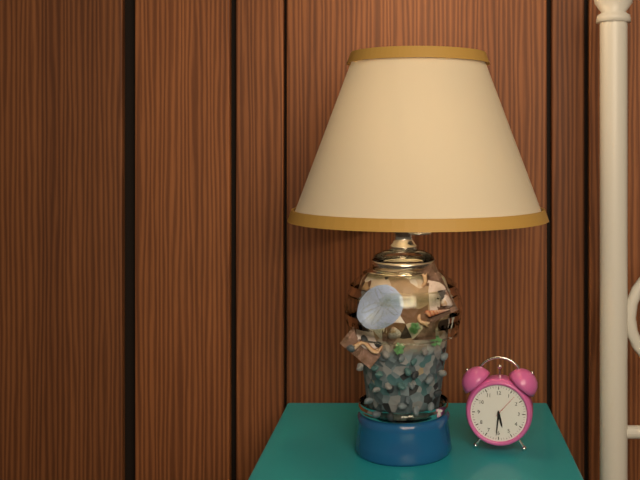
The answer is 5:31
